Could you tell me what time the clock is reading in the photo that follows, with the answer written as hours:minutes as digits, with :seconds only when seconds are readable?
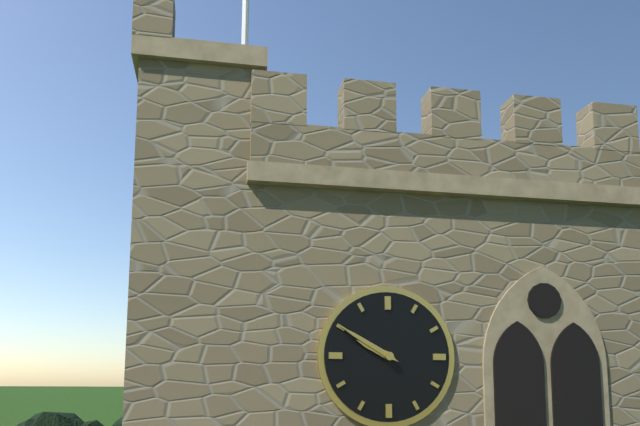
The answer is 9:50
